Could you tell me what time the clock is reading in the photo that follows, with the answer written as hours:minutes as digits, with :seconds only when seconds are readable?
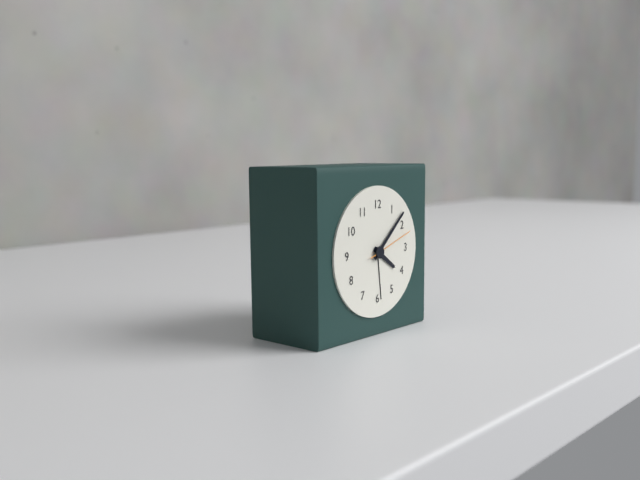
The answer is 4:08
